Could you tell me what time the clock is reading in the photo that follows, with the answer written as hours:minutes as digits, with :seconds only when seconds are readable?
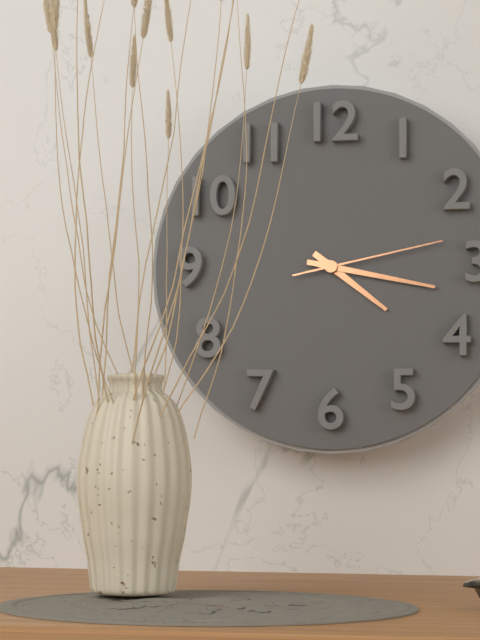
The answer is 4:17:13
